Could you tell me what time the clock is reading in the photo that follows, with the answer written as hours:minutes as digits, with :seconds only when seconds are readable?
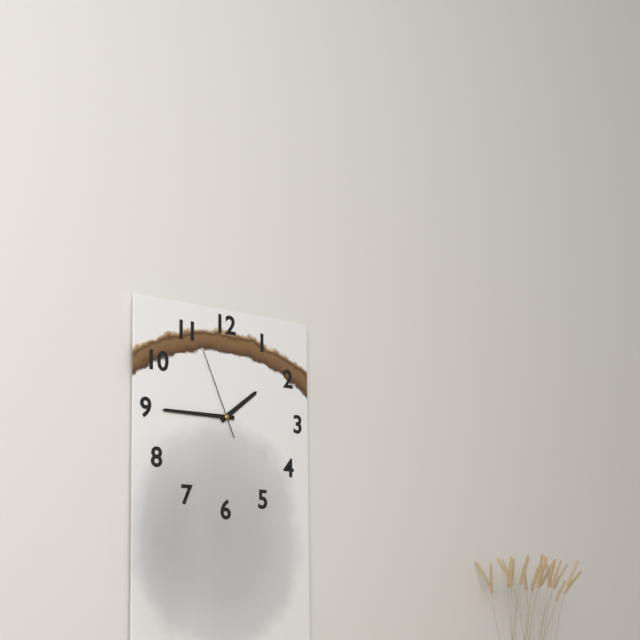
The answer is 1:45:56
